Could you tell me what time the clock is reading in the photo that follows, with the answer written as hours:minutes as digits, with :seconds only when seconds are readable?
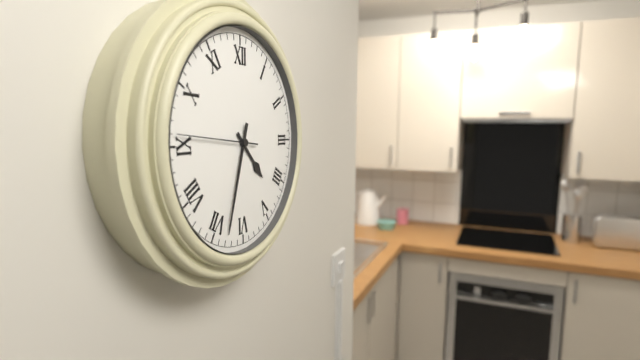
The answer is 4:33:46
